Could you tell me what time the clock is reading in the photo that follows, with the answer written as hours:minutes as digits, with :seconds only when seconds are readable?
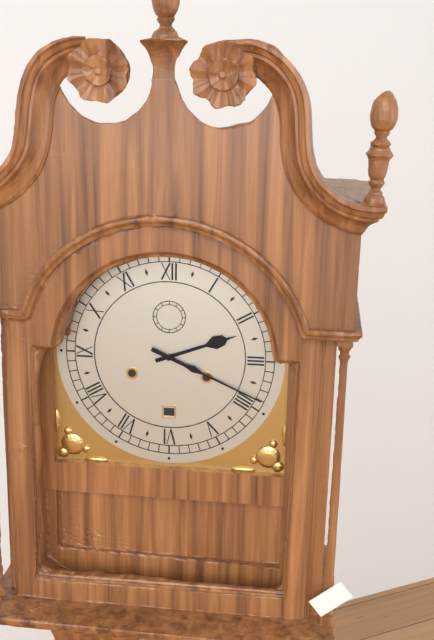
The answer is 2:19
